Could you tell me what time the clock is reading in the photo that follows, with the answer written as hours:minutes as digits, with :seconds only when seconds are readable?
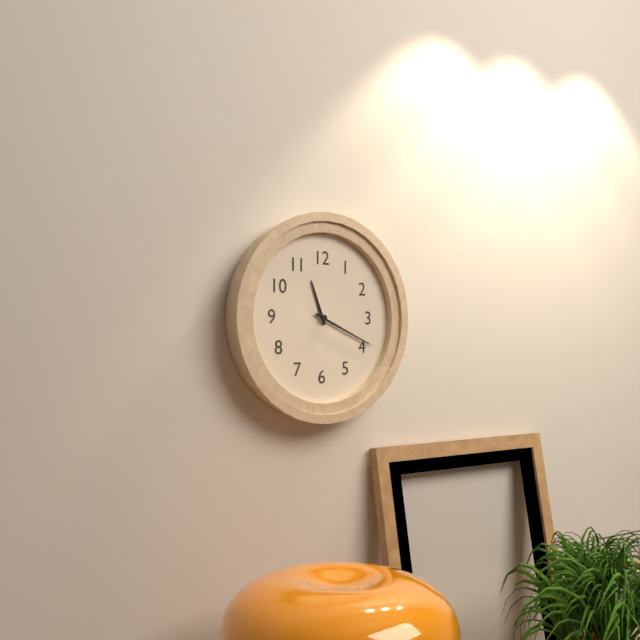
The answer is 11:19
